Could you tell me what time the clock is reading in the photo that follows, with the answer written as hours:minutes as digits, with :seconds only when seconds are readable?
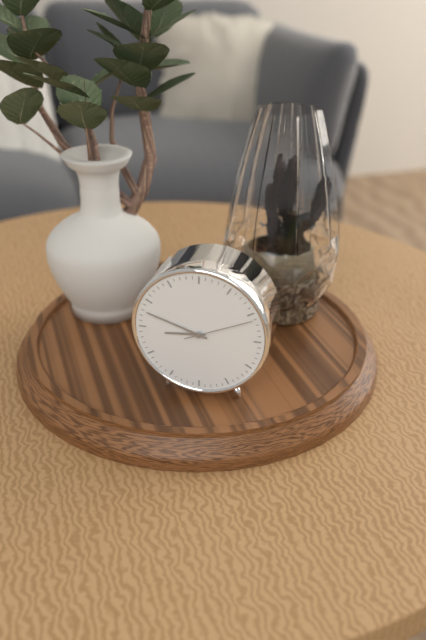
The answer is 8:48:11
